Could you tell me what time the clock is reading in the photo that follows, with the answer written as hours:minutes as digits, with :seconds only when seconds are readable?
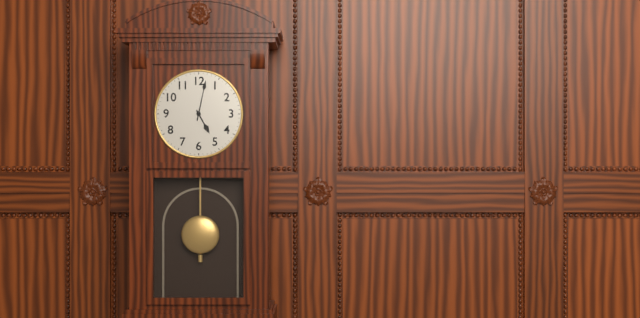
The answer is 5:02
